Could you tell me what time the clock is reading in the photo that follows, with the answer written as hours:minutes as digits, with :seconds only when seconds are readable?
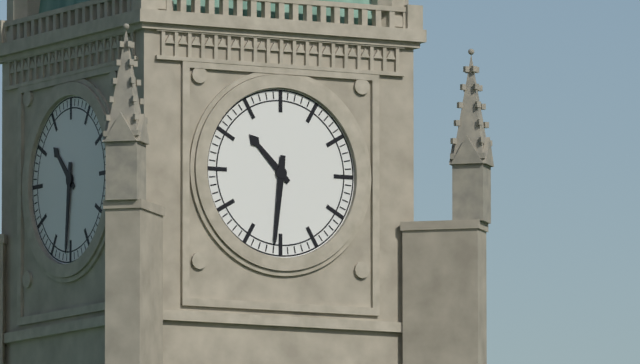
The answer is 10:31
